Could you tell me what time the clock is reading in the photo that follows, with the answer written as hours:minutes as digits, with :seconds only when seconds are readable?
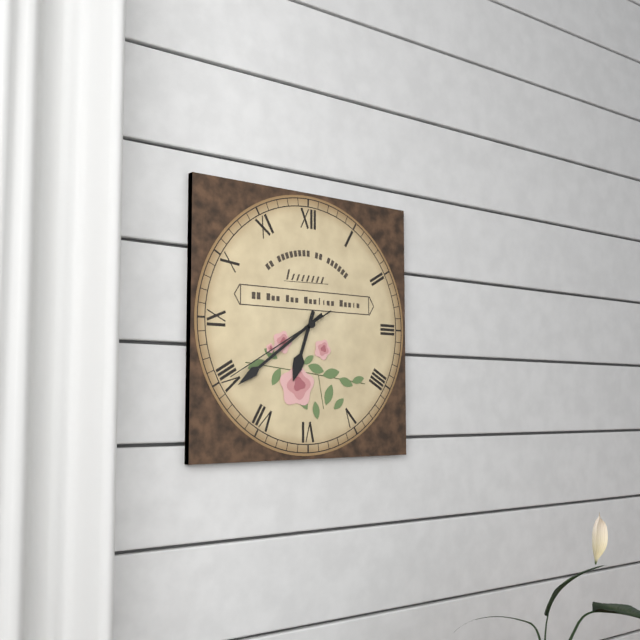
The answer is 6:39:40
